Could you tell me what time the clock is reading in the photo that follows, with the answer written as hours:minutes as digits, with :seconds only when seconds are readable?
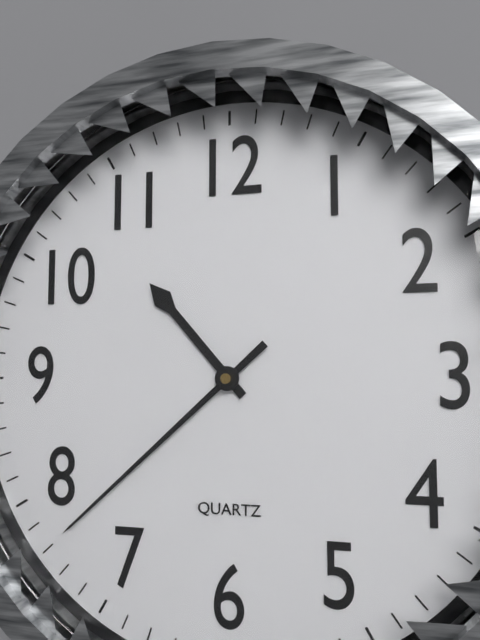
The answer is 10:38
